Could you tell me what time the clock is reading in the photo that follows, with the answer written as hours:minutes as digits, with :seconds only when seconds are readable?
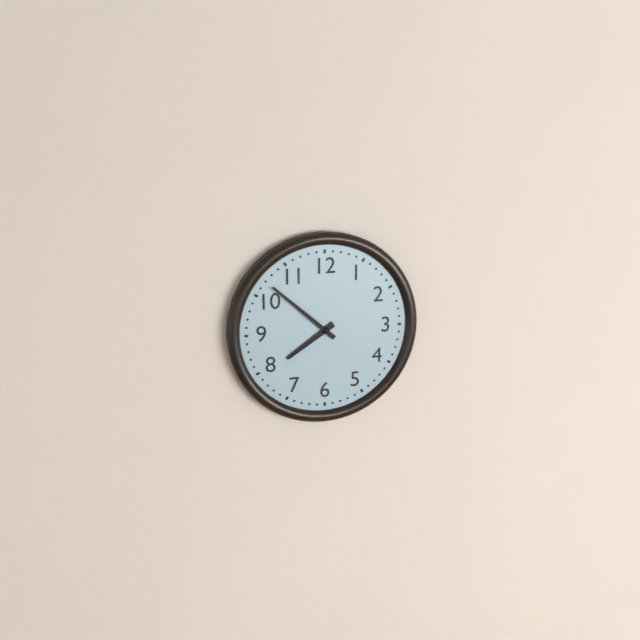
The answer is 7:52
